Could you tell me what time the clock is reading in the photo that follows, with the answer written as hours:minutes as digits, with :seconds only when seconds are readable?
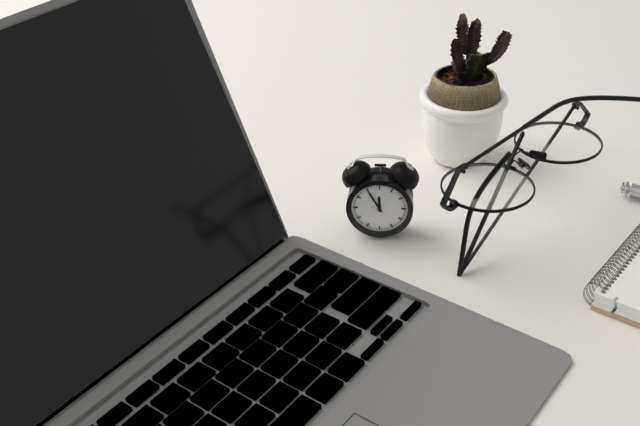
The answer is 11:55
